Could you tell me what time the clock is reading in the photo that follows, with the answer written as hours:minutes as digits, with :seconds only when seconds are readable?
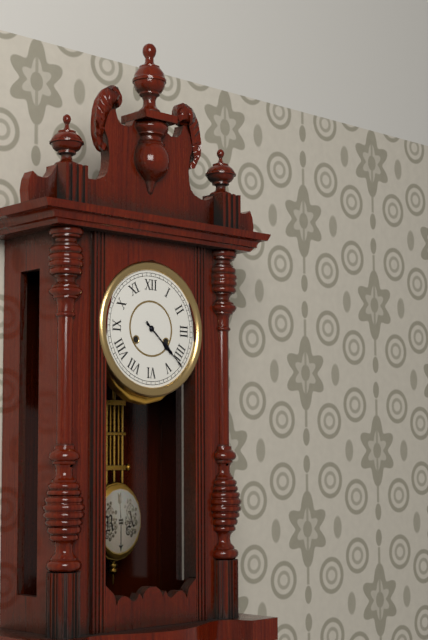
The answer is 4:22
